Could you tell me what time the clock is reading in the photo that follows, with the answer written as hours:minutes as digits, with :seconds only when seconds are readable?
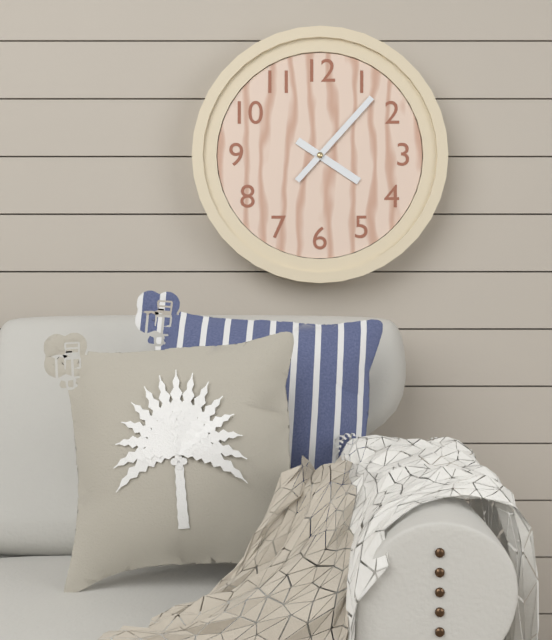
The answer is 4:07
